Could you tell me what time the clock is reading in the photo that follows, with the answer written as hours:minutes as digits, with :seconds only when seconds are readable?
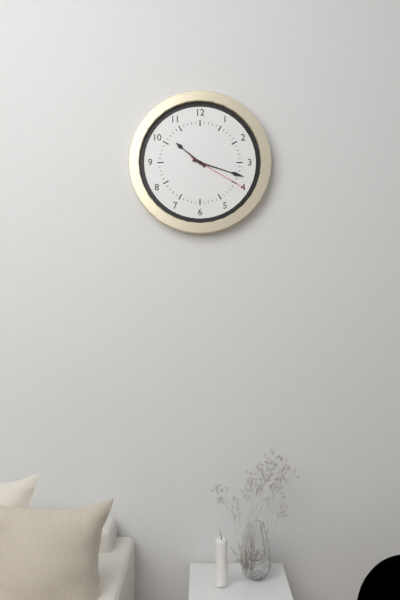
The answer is 10:18:20
